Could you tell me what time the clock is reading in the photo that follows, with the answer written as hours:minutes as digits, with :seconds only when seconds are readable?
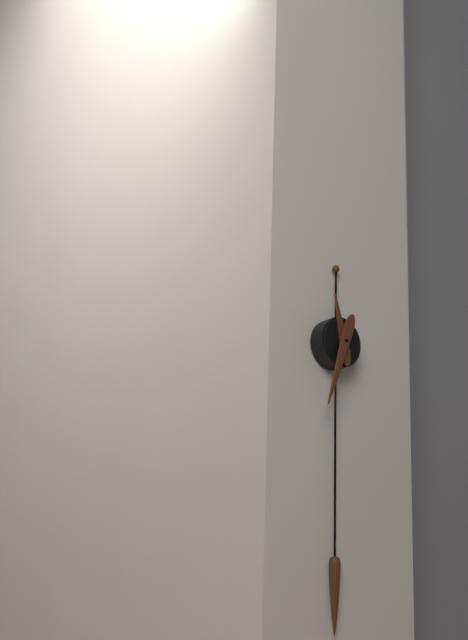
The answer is 11:33
